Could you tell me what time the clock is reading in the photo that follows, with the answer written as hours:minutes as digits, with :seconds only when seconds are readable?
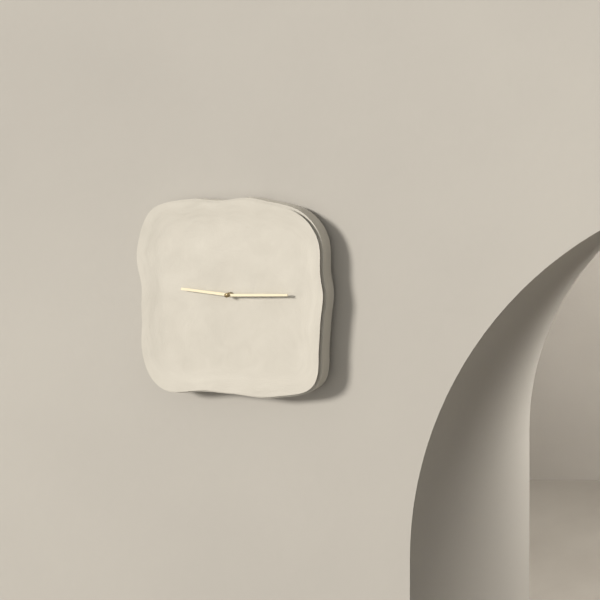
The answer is 9:15
